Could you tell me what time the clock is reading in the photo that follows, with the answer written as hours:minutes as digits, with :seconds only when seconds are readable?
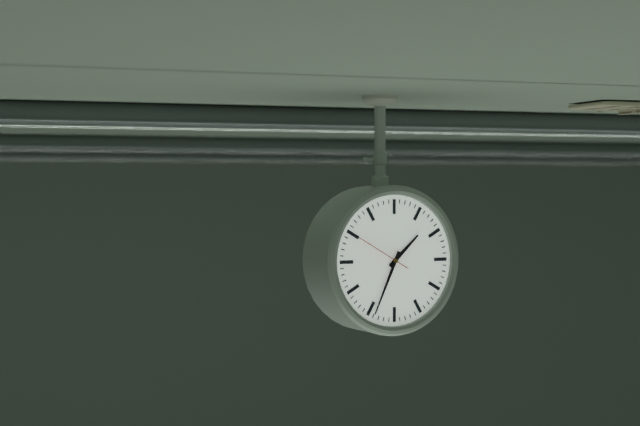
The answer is 1:34
